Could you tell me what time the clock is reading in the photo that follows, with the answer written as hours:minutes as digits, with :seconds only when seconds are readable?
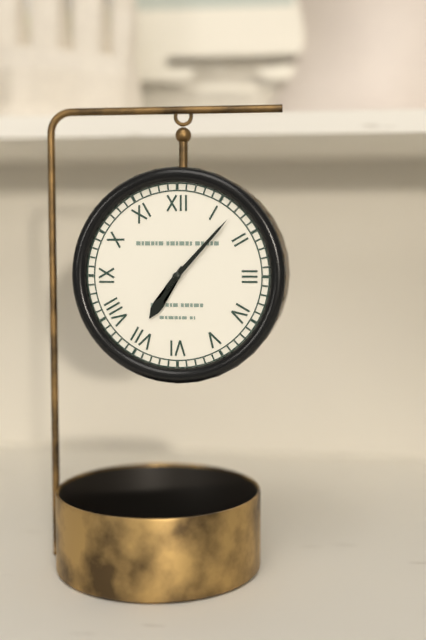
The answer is 7:07
